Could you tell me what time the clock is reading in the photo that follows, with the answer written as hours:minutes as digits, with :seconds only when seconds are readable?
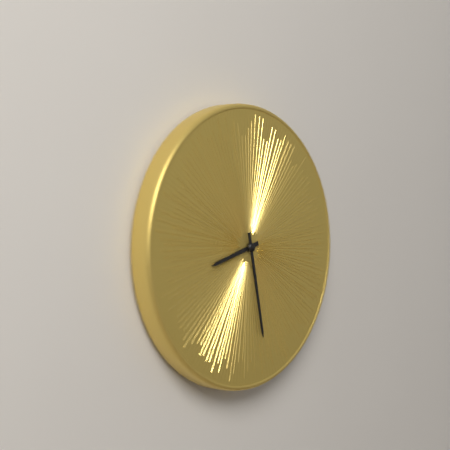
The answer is 8:28
